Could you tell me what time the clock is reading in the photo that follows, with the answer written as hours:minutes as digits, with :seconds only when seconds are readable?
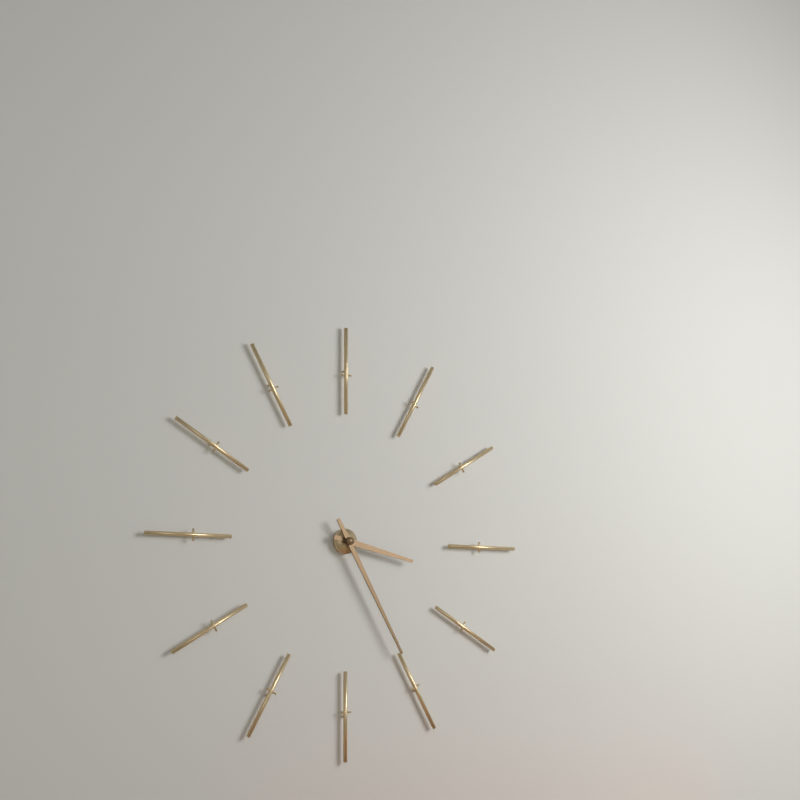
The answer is 3:25
